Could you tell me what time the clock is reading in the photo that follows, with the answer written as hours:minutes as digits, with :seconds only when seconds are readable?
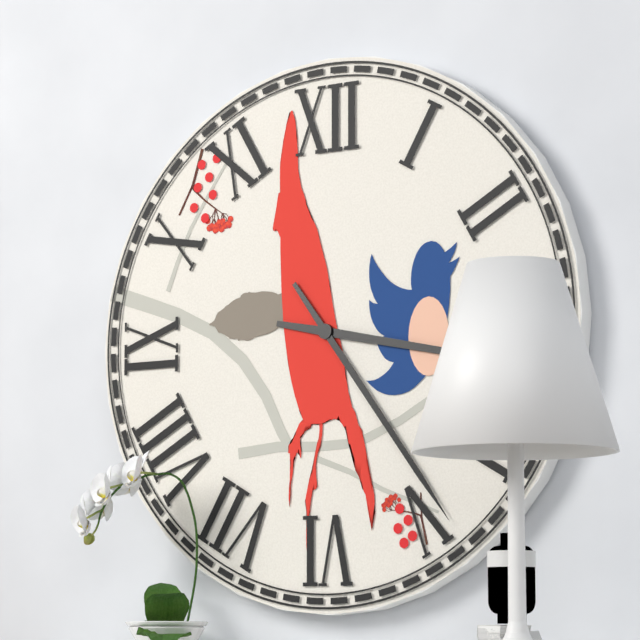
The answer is 3:24
